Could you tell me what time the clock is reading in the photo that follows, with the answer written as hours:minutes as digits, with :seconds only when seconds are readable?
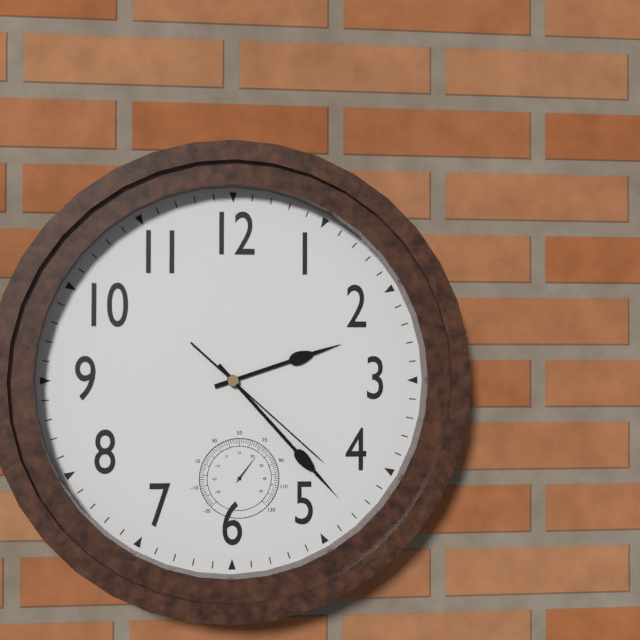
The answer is 2:23:22
